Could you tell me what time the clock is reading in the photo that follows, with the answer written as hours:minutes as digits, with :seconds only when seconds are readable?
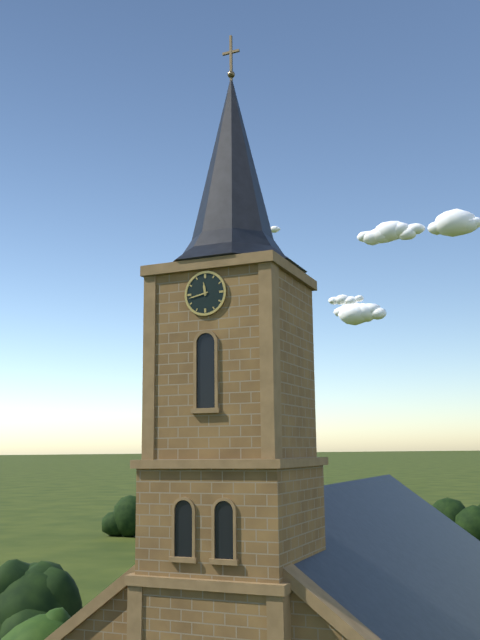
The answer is 11:43
